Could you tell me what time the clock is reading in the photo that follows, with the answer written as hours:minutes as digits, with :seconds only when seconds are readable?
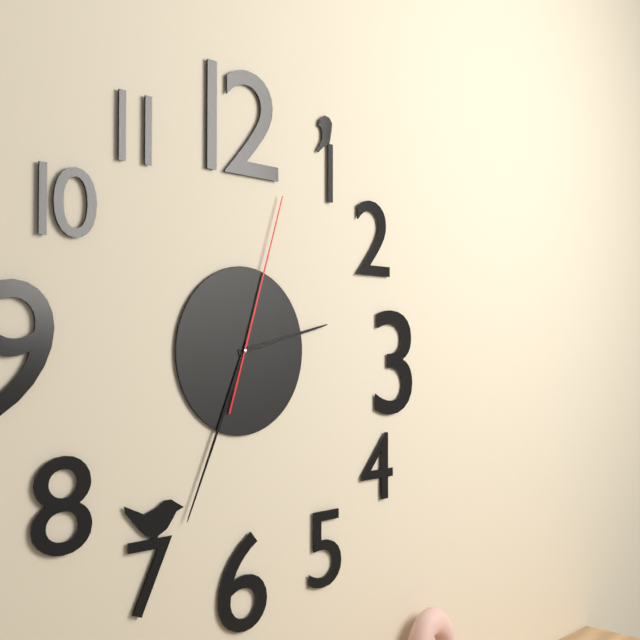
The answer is 2:34:03
